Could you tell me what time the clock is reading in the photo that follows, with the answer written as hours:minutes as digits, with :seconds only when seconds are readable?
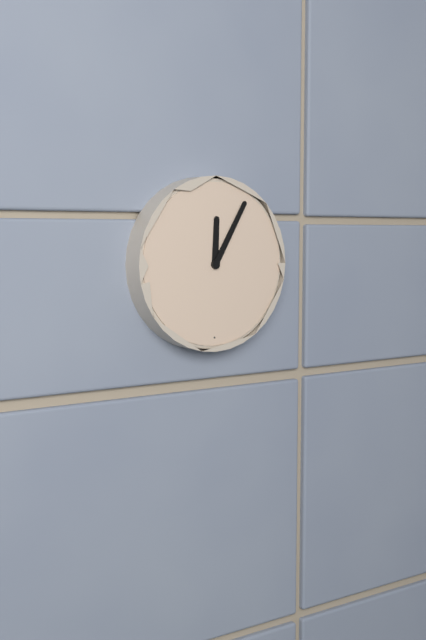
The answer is 12:05
